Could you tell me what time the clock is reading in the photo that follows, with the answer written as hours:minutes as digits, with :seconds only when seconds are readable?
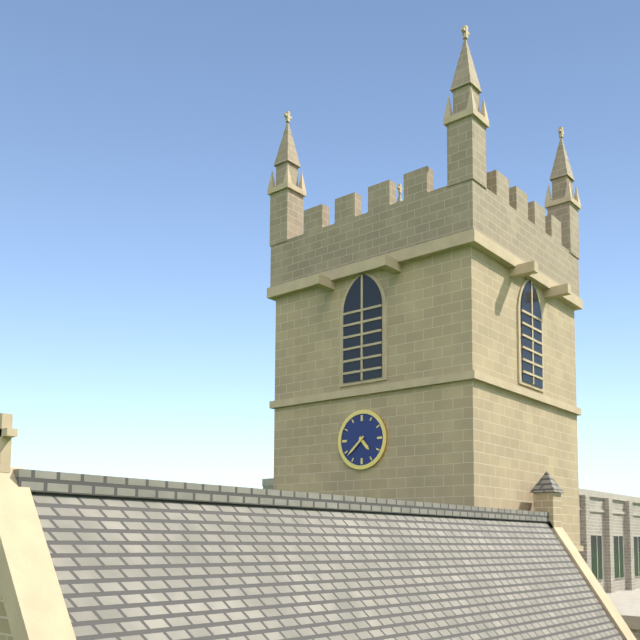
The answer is 4:38
